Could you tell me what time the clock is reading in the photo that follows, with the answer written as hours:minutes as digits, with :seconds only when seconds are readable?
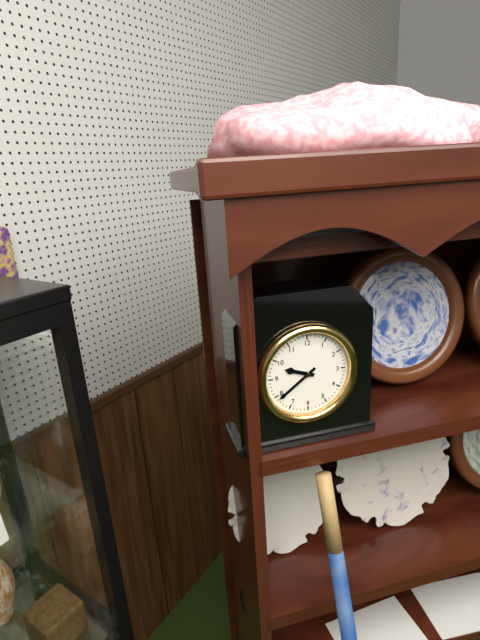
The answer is 9:39
